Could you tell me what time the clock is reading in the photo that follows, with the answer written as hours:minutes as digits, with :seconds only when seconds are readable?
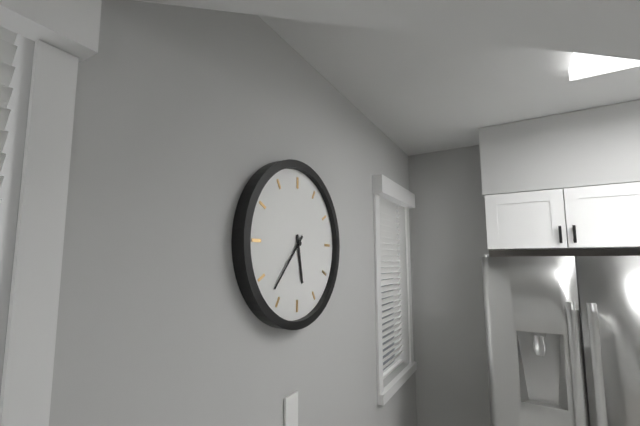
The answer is 5:37
